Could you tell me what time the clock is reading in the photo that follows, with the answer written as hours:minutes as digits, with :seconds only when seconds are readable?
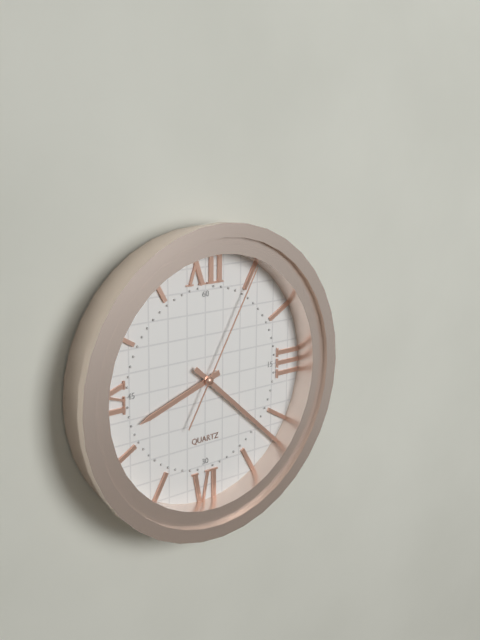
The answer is 8:22:05
